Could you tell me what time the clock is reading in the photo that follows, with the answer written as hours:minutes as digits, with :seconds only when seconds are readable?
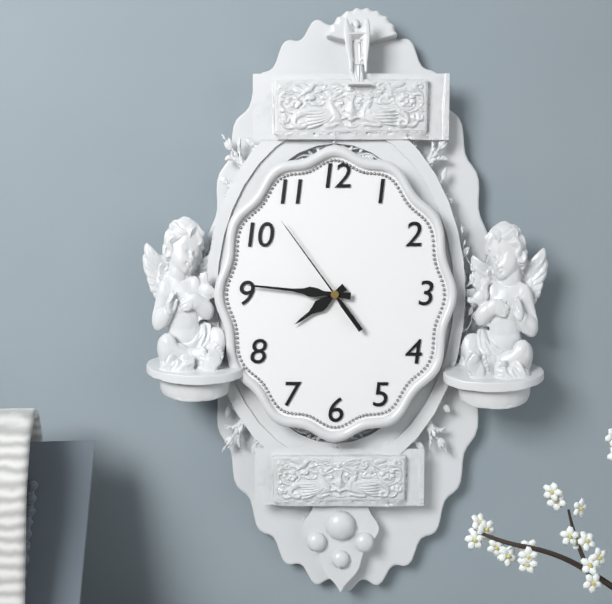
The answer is 7:46:54
